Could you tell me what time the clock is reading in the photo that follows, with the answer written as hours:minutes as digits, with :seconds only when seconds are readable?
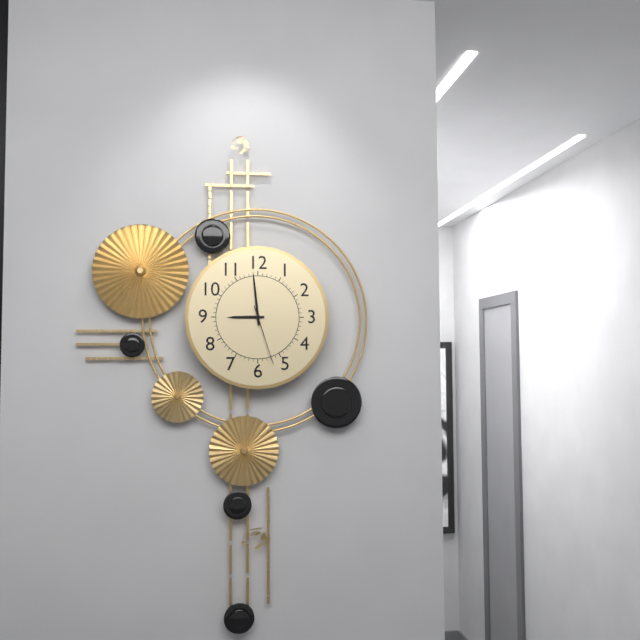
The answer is 8:59:27
